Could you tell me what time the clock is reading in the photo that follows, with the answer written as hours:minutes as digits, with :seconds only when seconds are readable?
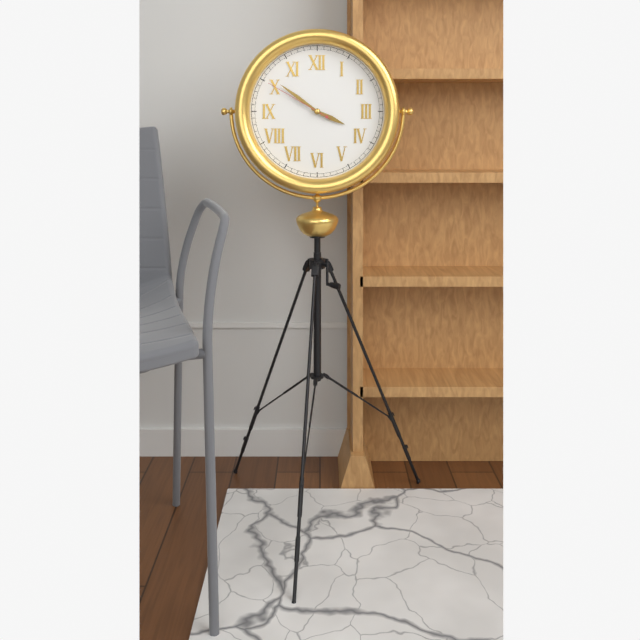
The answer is 3:51:50
